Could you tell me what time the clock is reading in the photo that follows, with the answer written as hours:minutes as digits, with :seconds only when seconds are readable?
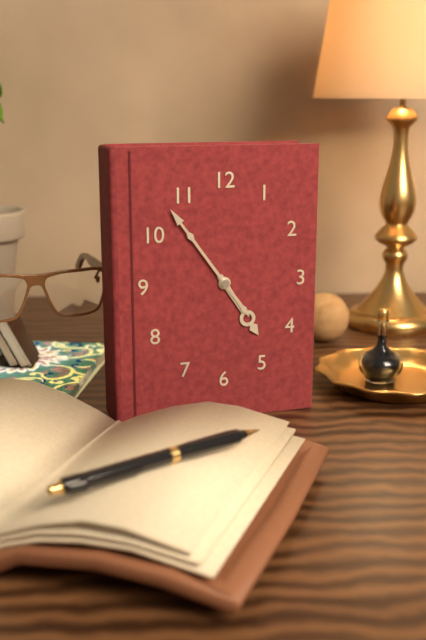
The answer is 4:54
